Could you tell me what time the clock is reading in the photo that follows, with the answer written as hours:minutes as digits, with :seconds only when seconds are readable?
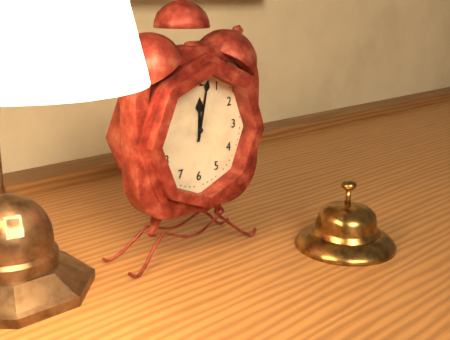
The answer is 12:02
